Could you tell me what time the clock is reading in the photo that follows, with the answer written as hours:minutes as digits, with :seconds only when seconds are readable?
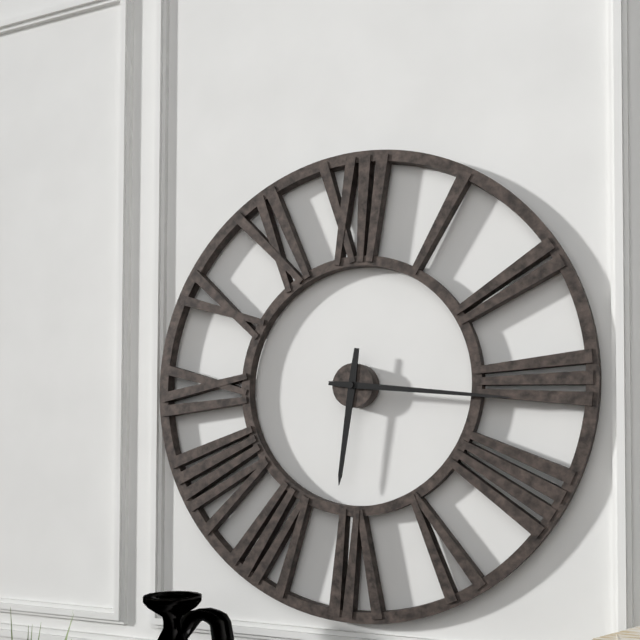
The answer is 6:16
